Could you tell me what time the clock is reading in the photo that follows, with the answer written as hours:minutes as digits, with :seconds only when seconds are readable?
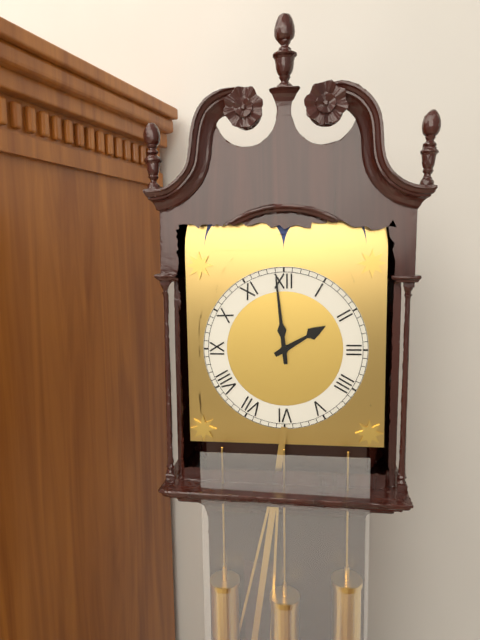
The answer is 1:59
